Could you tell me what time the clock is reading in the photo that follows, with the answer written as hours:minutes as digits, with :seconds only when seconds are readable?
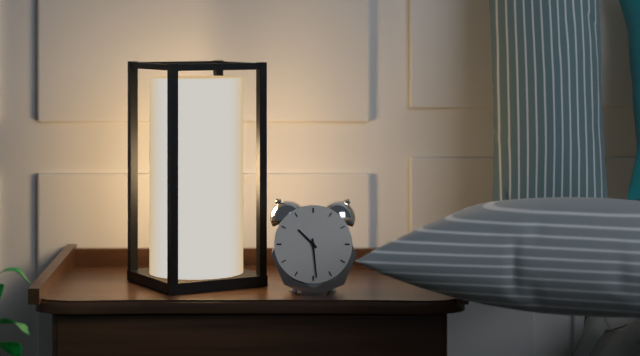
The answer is 10:29
